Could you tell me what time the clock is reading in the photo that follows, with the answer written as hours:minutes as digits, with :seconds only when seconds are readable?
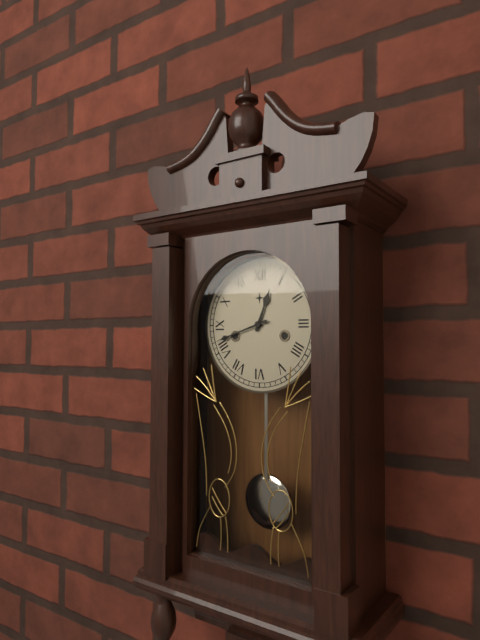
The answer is 12:42
